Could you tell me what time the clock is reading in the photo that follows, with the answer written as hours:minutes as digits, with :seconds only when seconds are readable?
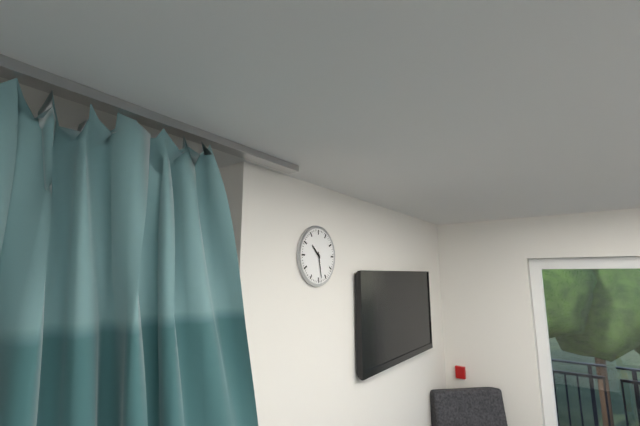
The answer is 10:28
